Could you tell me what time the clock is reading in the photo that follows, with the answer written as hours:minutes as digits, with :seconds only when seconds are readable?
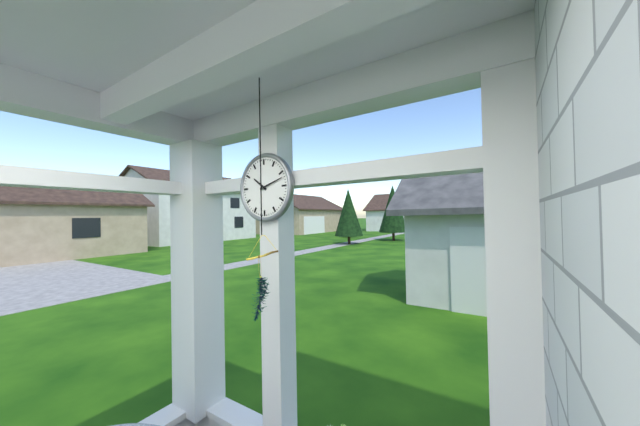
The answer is 10:12
